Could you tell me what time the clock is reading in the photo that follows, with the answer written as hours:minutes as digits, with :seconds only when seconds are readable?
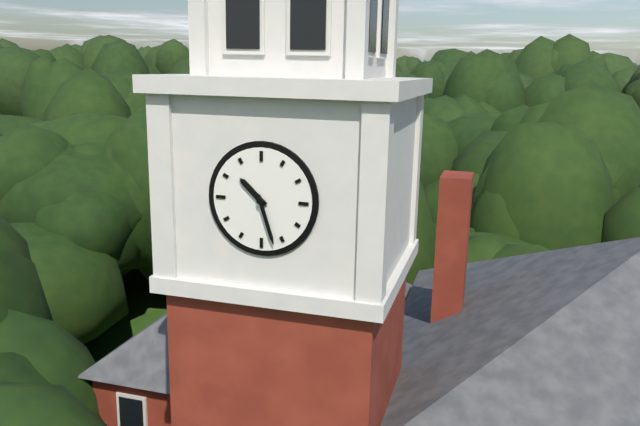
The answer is 10:27
